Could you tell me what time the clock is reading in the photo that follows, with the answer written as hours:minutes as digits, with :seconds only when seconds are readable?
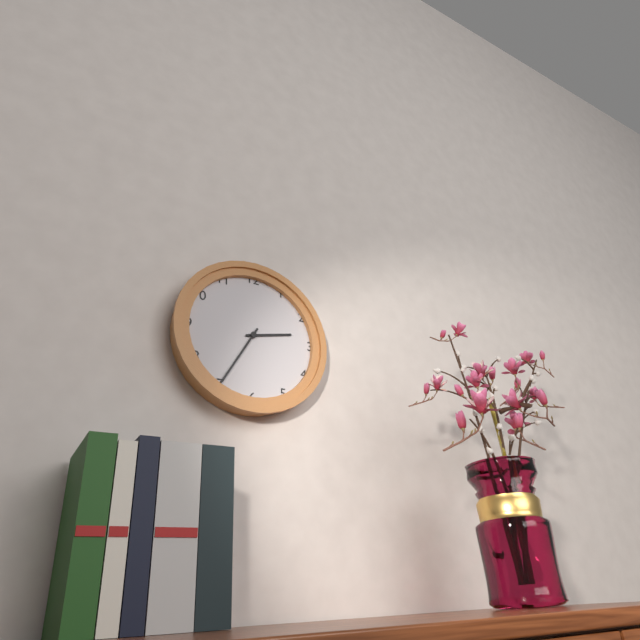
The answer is 2:35
